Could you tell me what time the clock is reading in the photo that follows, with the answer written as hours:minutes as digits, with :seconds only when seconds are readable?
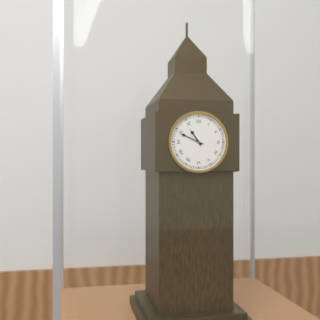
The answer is 10:49
